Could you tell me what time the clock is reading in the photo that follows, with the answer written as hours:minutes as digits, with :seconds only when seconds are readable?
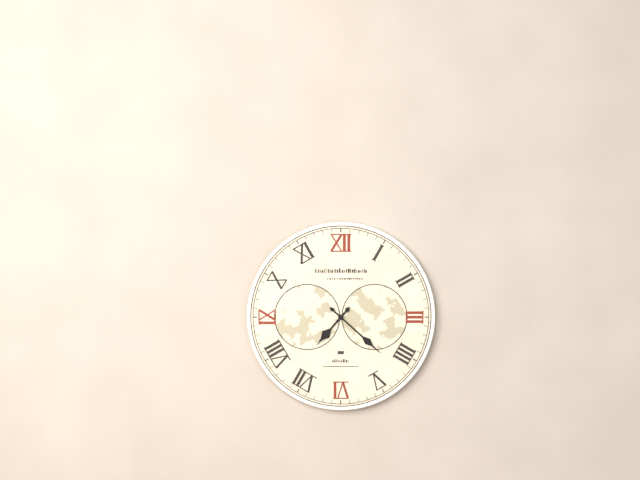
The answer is 7:22
